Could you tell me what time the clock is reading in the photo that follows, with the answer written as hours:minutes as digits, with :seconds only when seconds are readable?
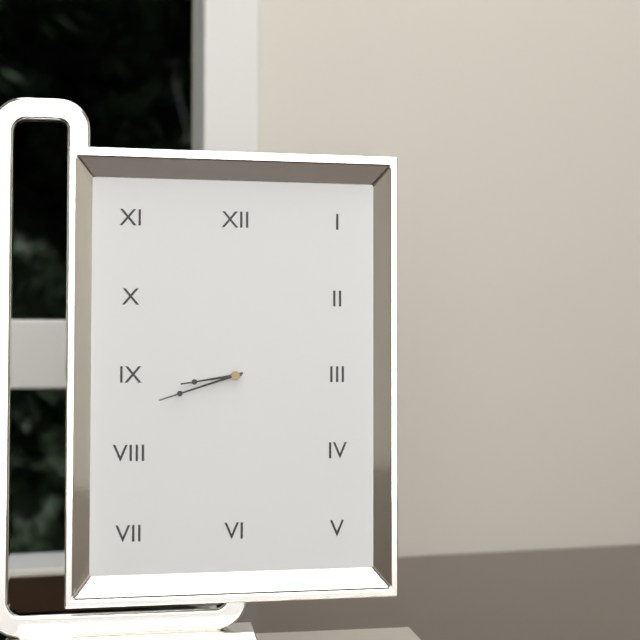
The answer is 8:42
